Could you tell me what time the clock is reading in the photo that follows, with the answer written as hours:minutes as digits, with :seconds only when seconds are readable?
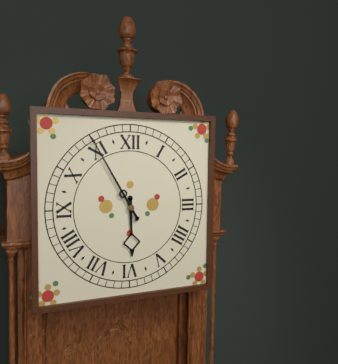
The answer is 5:55
